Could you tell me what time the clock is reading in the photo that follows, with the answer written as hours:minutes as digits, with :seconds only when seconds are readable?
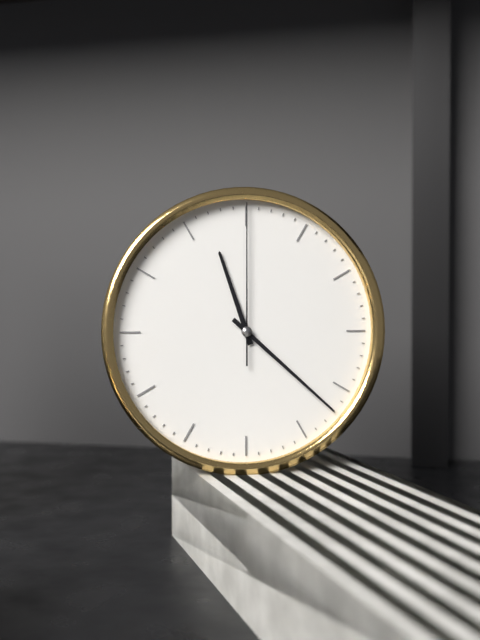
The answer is 11:22:00
